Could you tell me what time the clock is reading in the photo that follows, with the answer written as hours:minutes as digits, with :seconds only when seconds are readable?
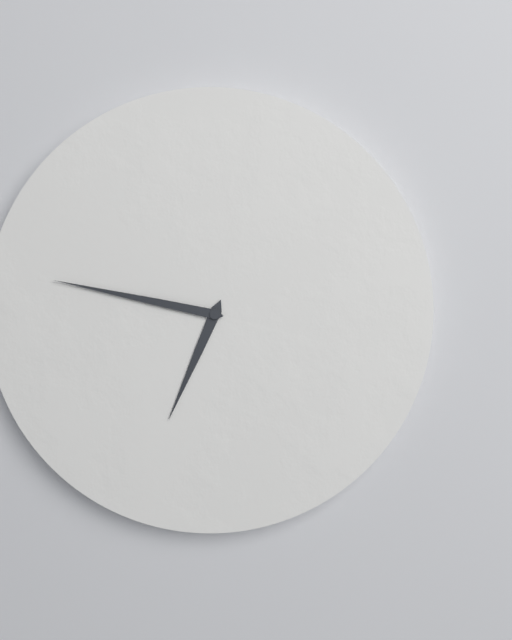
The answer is 6:47
